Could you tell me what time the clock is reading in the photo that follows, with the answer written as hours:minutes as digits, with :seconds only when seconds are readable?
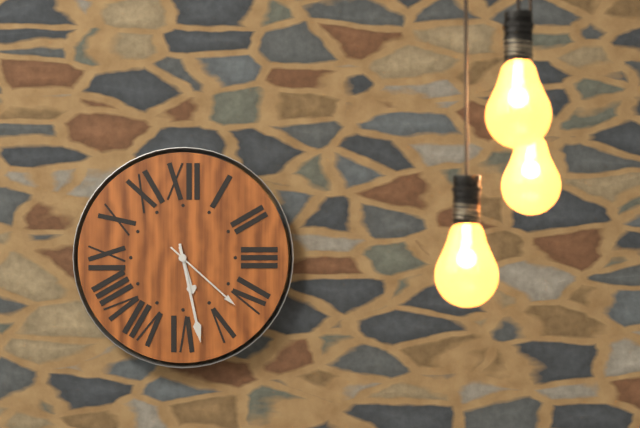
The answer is 5:28:22
